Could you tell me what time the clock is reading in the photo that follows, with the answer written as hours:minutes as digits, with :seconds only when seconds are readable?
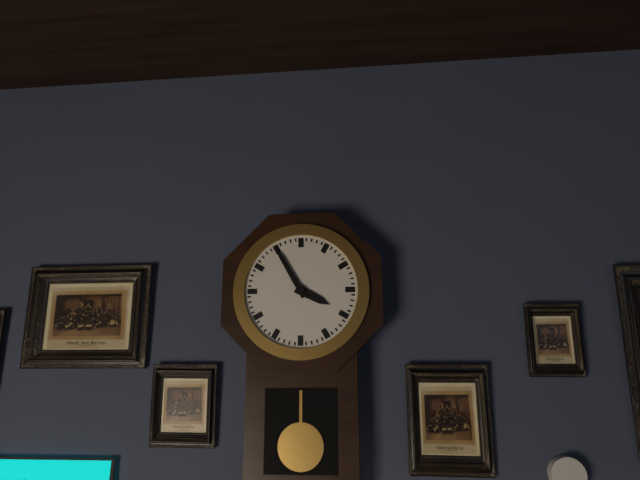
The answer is 3:55
